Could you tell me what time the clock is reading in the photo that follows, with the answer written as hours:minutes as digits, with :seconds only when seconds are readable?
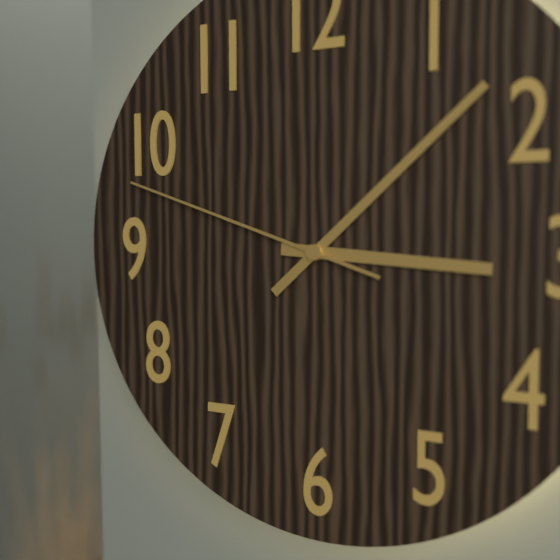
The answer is 3:08:48
